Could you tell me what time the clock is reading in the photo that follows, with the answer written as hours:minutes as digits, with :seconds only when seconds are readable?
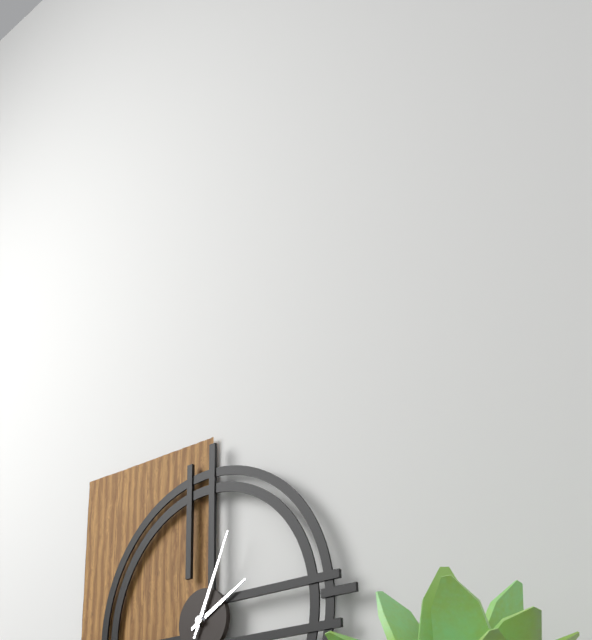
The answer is 2:04
